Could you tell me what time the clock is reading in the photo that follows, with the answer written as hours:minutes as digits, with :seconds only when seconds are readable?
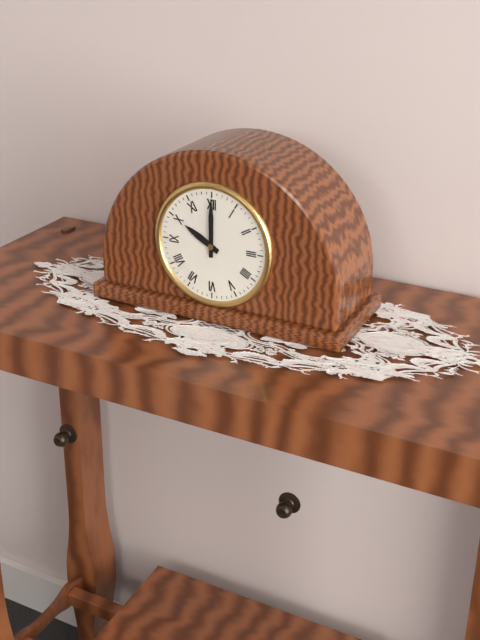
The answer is 10:00
